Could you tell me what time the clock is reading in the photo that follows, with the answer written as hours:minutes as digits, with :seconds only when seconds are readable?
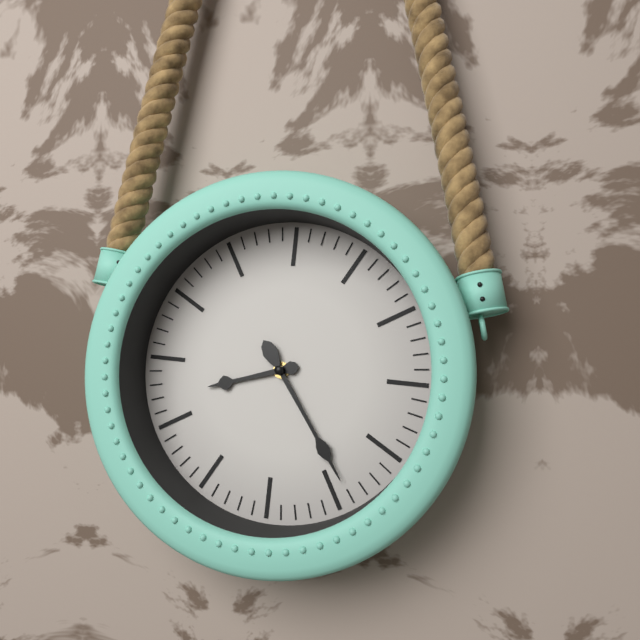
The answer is 8:24
